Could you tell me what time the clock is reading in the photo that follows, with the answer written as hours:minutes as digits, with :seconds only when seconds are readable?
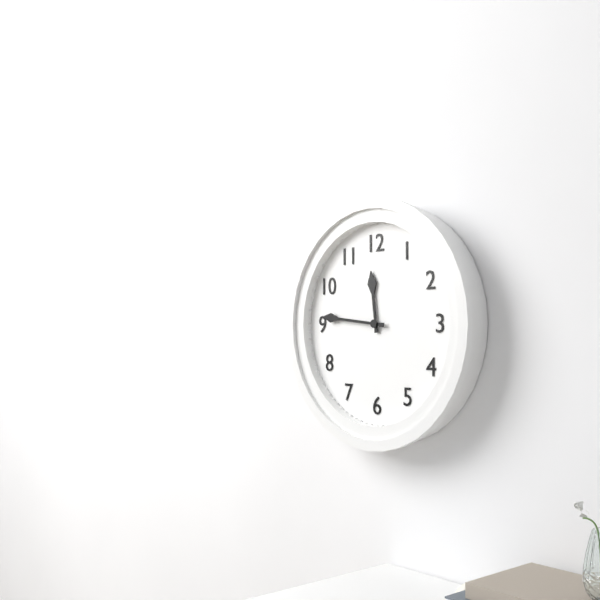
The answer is 11:46
